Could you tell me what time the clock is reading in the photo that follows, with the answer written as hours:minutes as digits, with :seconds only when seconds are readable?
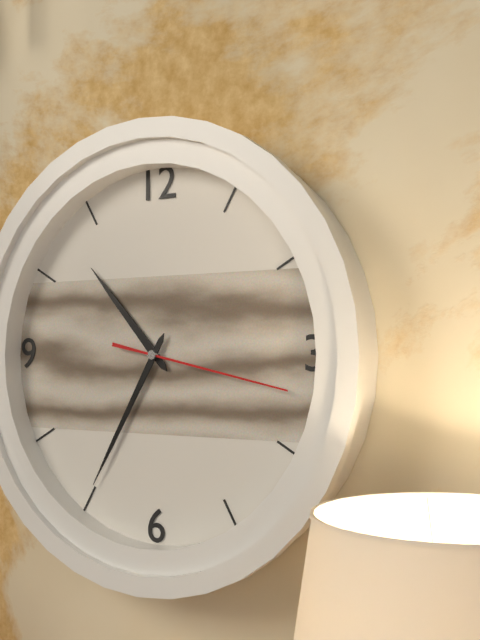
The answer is 10:35:17
